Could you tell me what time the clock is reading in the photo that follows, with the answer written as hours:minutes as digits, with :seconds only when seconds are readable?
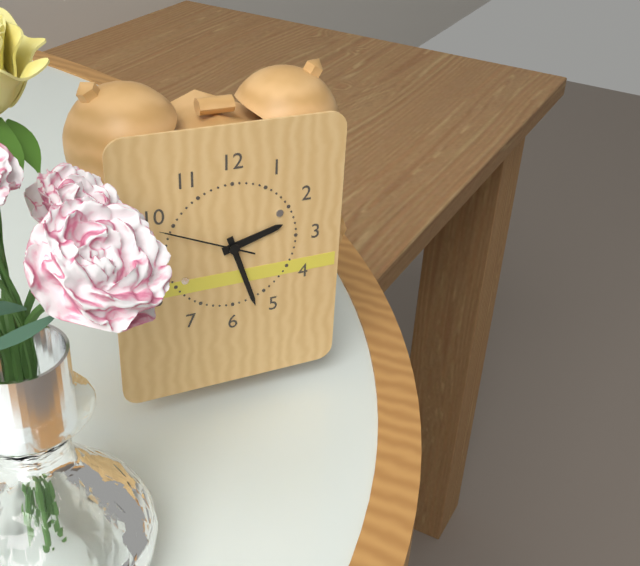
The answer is 2:27:49
